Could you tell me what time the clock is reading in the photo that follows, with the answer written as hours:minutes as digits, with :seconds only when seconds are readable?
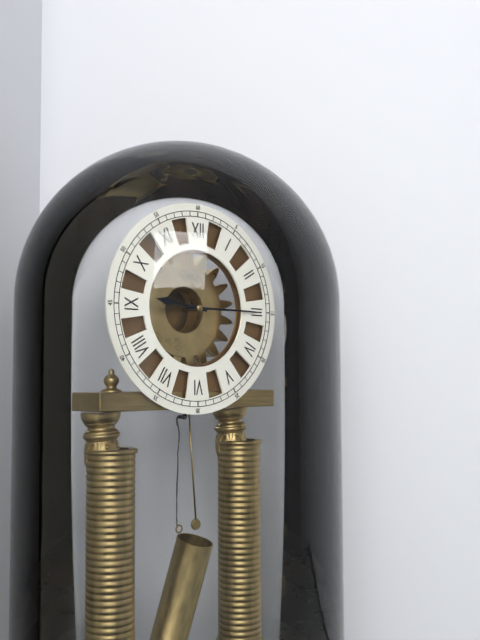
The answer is 9:15
